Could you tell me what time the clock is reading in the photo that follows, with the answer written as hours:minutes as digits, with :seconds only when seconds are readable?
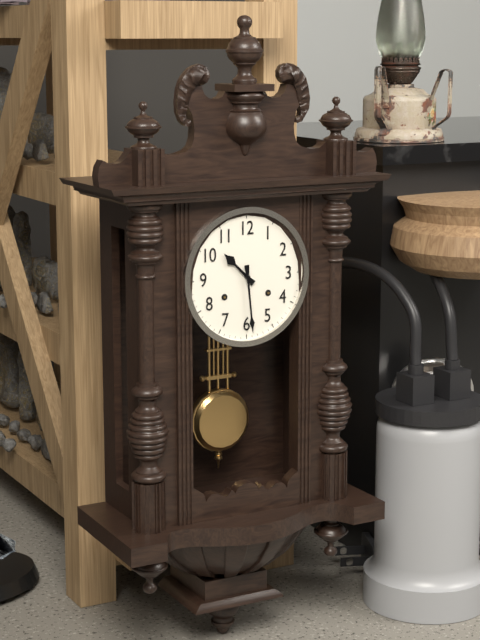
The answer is 10:29
